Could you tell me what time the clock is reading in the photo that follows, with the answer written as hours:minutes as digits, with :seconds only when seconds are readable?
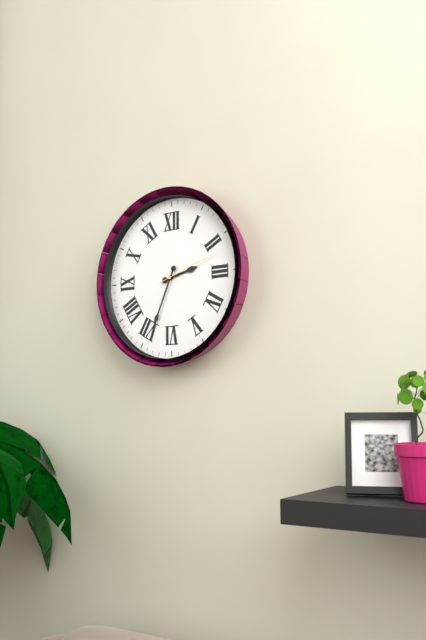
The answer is 2:34:12
